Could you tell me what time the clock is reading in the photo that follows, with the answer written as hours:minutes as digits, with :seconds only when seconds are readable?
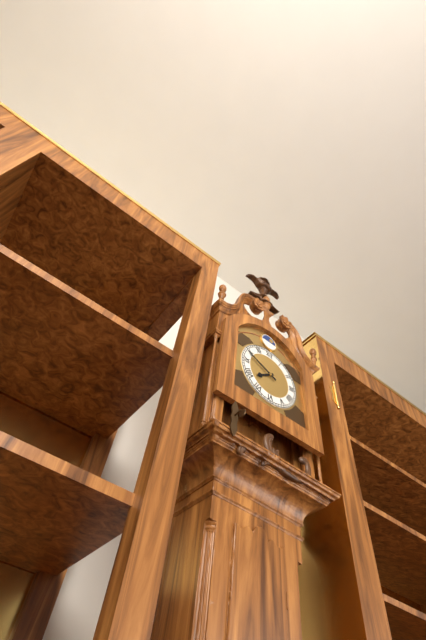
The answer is 7:49
